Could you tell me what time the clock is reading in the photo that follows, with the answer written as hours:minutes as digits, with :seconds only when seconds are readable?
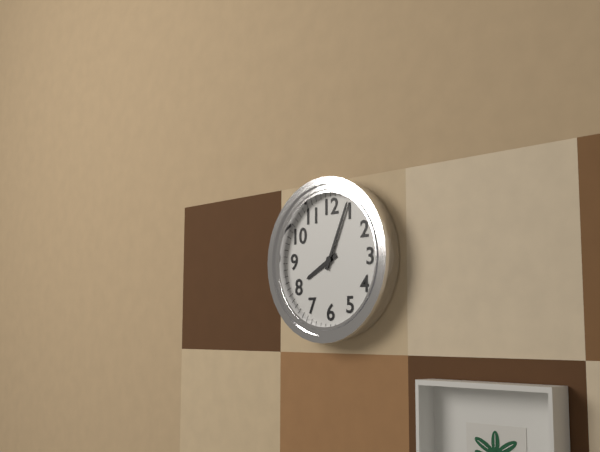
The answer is 8:04
